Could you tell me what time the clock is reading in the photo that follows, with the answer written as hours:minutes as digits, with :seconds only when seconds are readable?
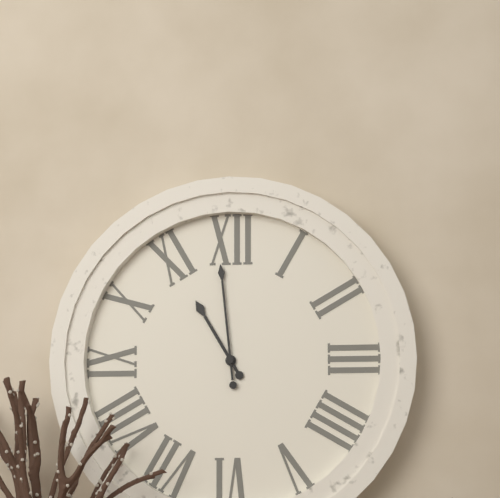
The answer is 10:59
